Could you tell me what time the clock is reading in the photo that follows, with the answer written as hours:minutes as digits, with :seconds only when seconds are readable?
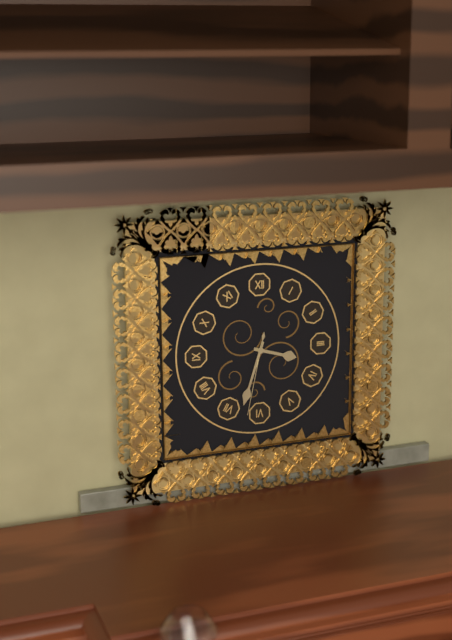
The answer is 3:33:32
